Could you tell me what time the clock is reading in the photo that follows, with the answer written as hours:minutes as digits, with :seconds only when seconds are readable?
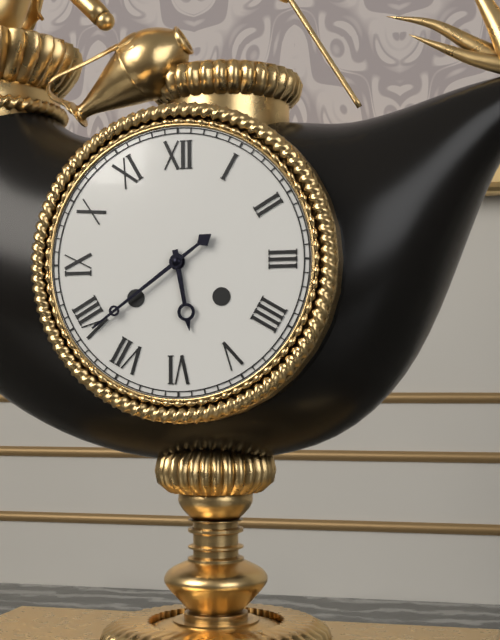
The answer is 5:39
